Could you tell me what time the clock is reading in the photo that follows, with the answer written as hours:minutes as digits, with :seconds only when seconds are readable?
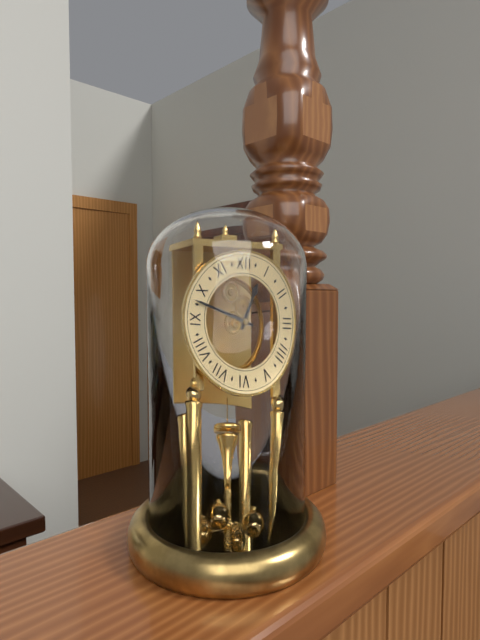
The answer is 12:48
